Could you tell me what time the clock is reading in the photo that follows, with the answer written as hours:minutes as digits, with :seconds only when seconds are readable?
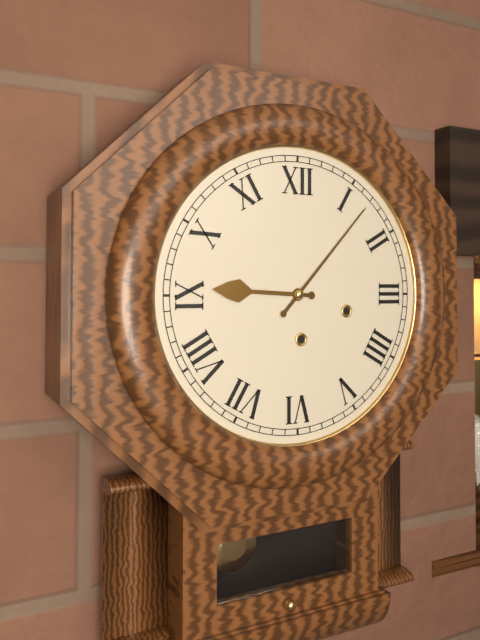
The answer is 9:07
